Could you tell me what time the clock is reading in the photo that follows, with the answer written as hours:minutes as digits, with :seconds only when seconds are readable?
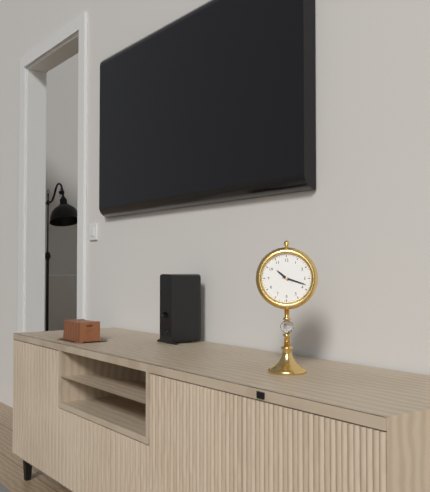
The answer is 10:18
